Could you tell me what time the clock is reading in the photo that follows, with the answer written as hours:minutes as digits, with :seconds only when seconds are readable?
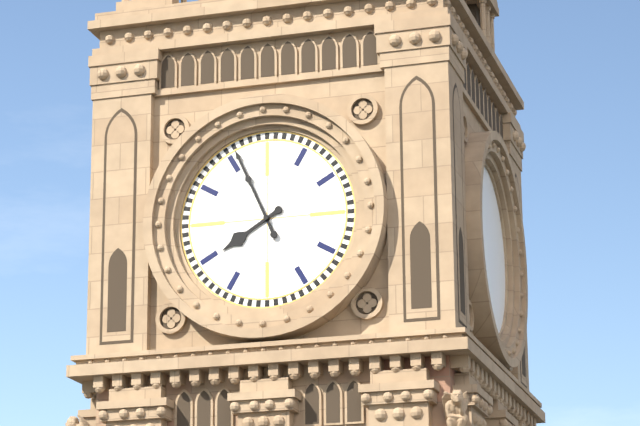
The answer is 7:56
